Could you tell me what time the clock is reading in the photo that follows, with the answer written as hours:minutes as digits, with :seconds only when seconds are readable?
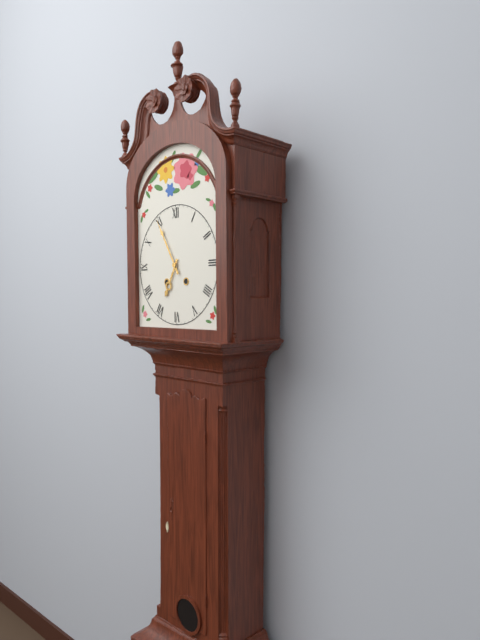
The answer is 6:55
